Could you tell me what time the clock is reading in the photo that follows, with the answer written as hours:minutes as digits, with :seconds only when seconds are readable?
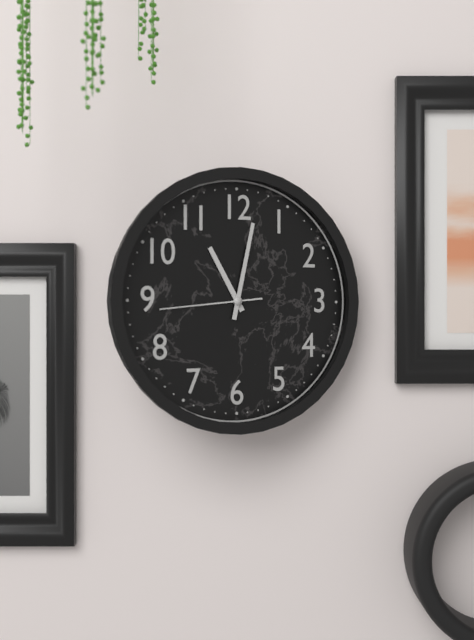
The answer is 11:02:44
